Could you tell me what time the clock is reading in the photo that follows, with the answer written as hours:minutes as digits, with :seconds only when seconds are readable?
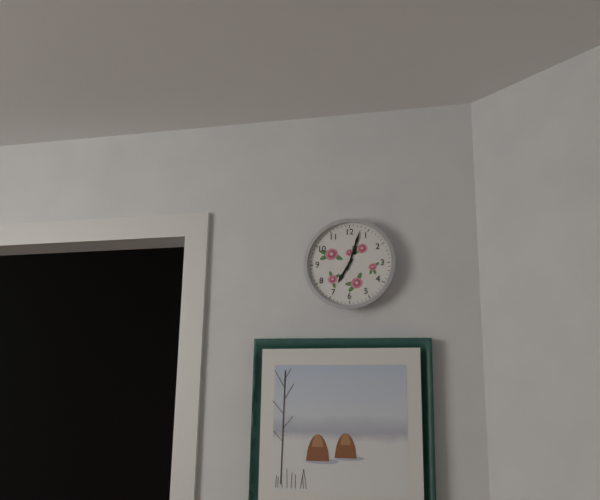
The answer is 7:03
